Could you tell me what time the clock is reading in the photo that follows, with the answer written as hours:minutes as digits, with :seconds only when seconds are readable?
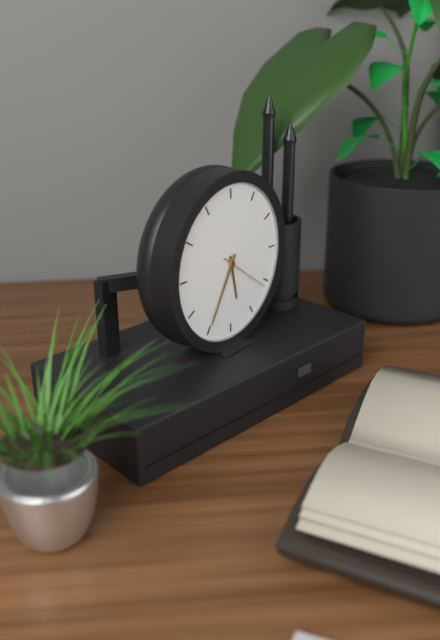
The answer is 5:35:21
